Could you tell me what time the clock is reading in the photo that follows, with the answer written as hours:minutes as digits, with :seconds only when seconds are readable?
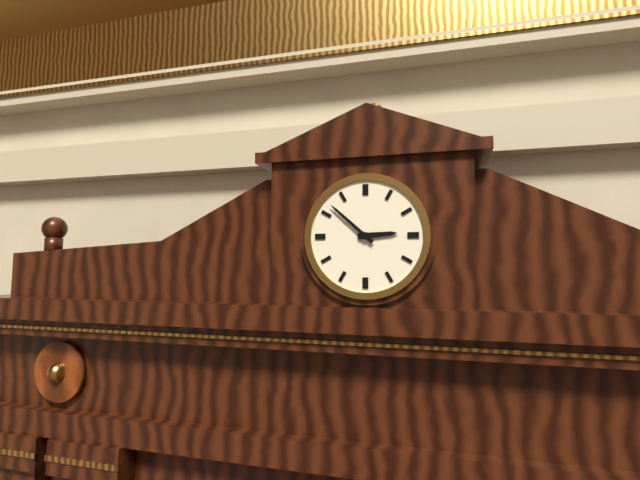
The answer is 2:52
